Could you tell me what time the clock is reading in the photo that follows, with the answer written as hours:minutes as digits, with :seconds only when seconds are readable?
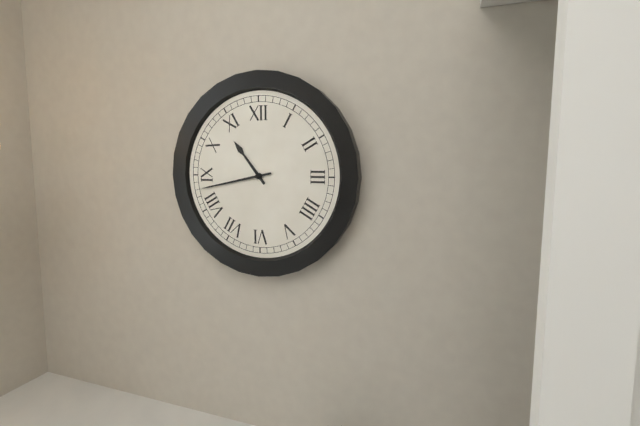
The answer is 10:43
